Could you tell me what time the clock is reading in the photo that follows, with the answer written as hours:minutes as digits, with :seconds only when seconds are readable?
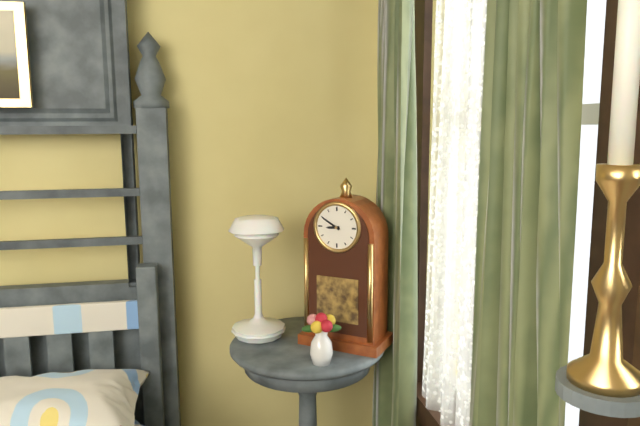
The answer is 8:50
